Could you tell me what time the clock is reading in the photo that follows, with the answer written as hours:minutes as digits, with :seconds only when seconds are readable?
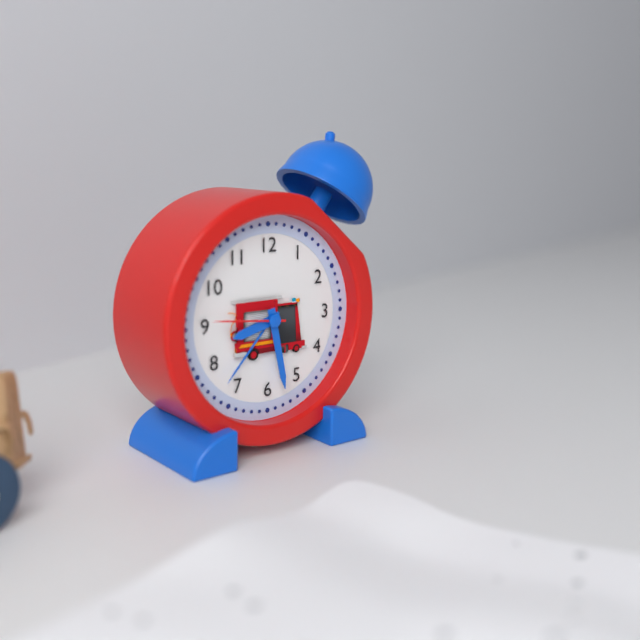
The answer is 8:28
